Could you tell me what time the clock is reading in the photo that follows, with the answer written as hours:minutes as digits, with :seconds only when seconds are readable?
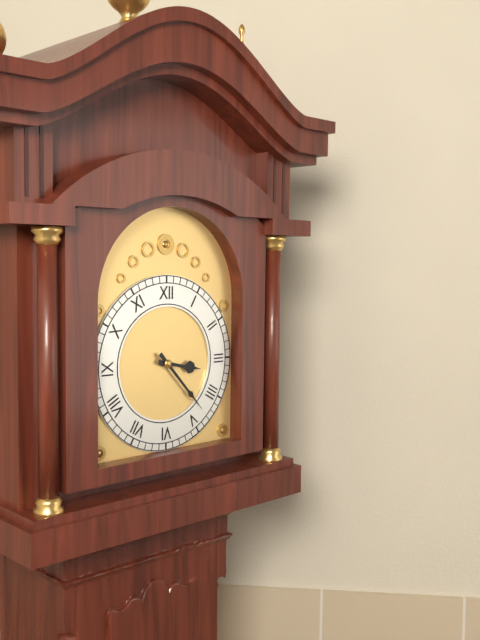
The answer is 3:23
